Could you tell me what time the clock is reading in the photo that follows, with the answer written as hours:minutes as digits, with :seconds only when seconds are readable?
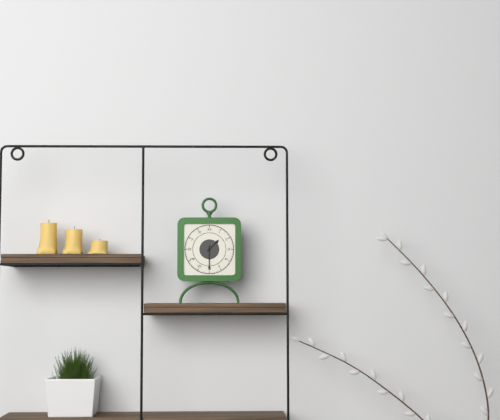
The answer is 1:30
